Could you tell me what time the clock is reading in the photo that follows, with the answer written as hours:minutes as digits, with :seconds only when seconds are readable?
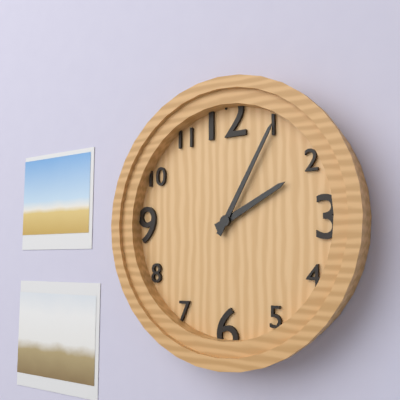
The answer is 2:05
